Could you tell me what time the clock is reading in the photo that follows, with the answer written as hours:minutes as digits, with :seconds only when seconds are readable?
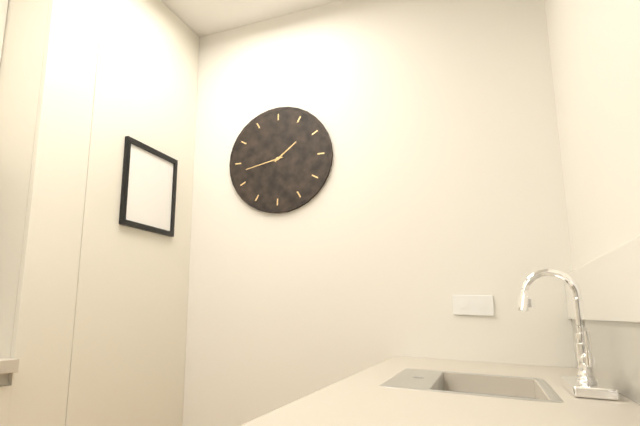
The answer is 1:43
